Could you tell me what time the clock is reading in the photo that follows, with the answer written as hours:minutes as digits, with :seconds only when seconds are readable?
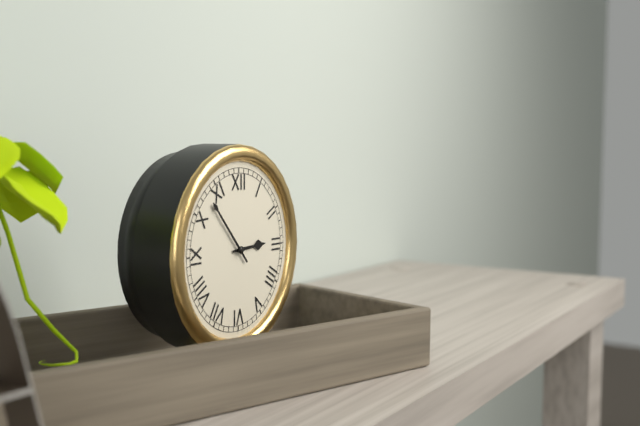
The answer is 2:53
